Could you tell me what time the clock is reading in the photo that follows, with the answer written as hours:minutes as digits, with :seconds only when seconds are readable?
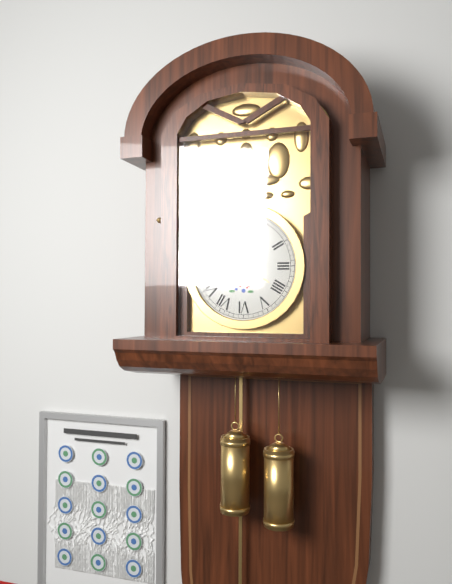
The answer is 4:02
